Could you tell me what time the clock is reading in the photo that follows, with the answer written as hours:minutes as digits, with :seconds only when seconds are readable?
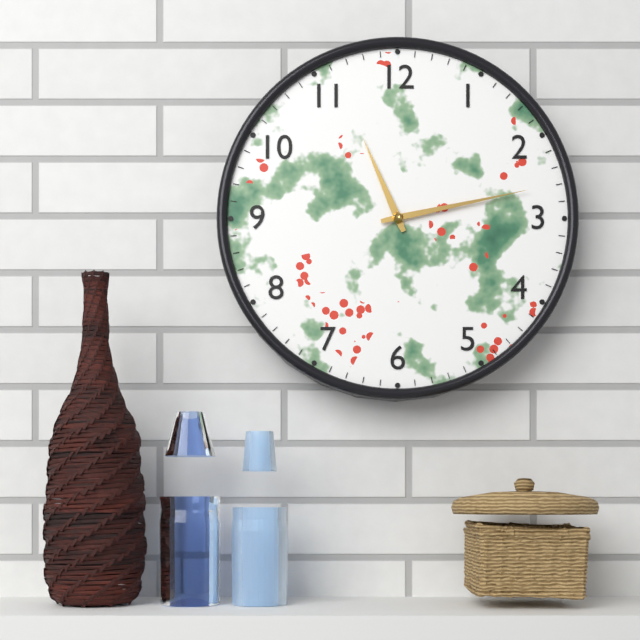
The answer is 11:13
